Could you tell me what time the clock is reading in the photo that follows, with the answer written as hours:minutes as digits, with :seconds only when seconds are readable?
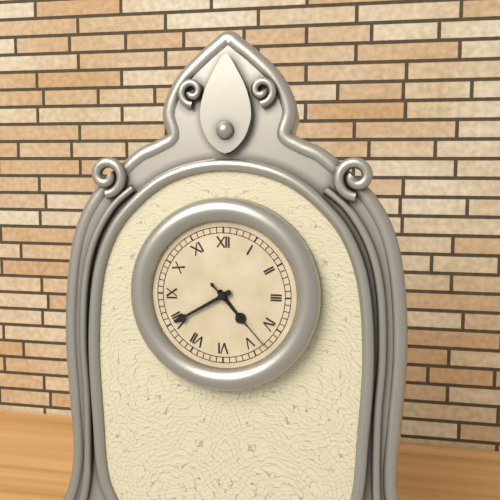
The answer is 4:40:23
